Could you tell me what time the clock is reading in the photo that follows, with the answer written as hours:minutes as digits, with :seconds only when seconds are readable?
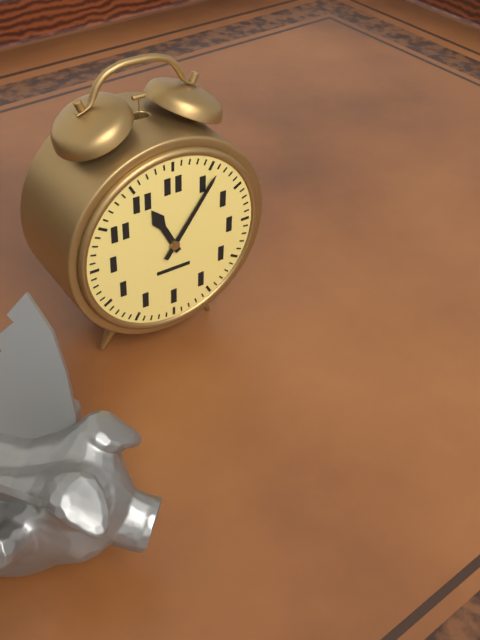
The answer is 11:06
